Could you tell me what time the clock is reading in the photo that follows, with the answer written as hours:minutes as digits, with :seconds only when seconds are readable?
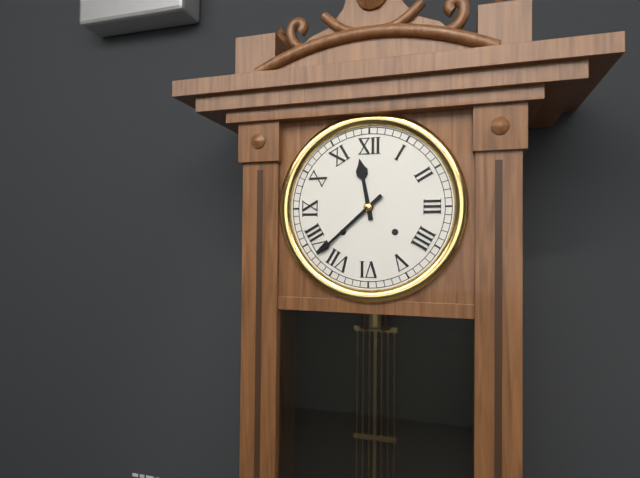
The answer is 11:38
